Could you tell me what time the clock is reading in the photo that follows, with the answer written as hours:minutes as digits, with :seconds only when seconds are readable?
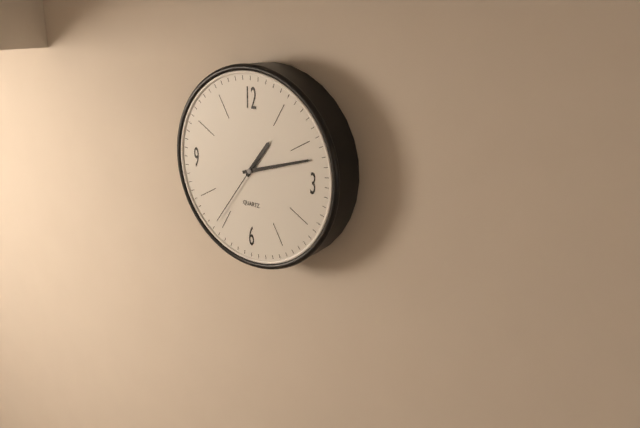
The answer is 1:12:36
